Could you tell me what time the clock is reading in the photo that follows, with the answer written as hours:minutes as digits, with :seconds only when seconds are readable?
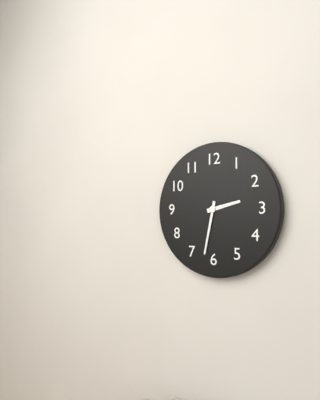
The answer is 2:32
